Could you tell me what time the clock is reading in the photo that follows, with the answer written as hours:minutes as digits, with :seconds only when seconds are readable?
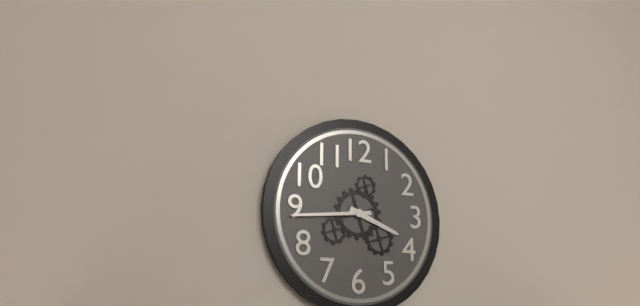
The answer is 3:44
